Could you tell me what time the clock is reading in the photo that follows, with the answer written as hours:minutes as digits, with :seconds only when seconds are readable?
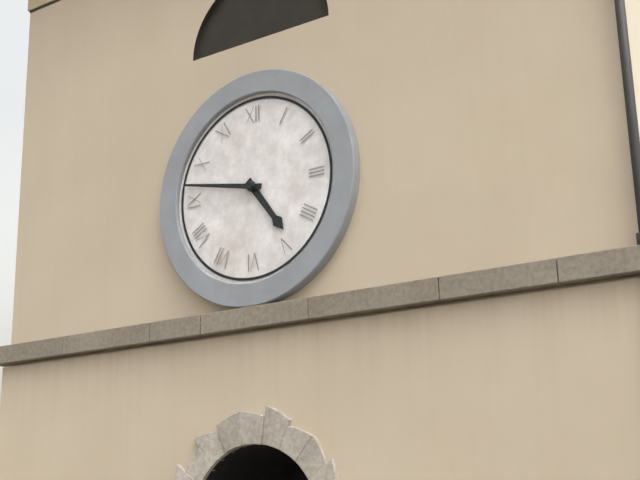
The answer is 4:47
